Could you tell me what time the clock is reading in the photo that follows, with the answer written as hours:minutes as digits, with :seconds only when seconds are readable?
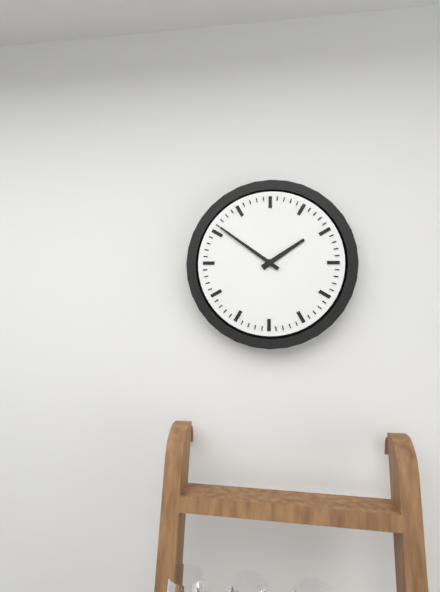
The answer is 1:51
